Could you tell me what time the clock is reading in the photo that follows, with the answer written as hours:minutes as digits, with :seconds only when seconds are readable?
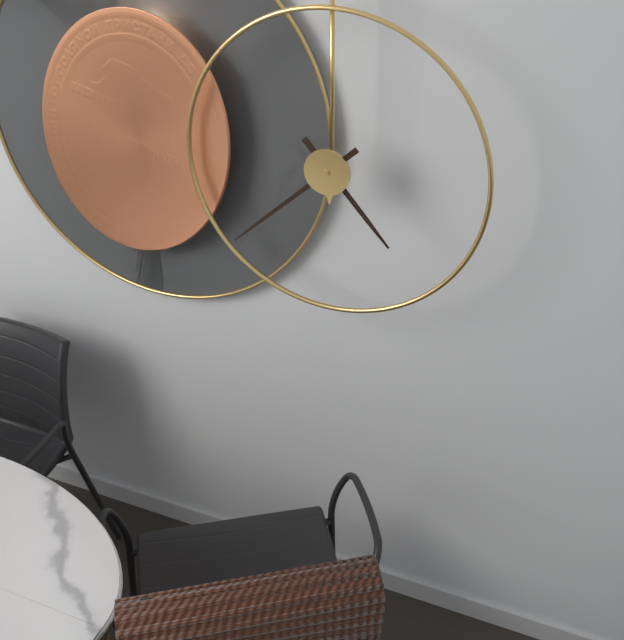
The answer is 4:38
